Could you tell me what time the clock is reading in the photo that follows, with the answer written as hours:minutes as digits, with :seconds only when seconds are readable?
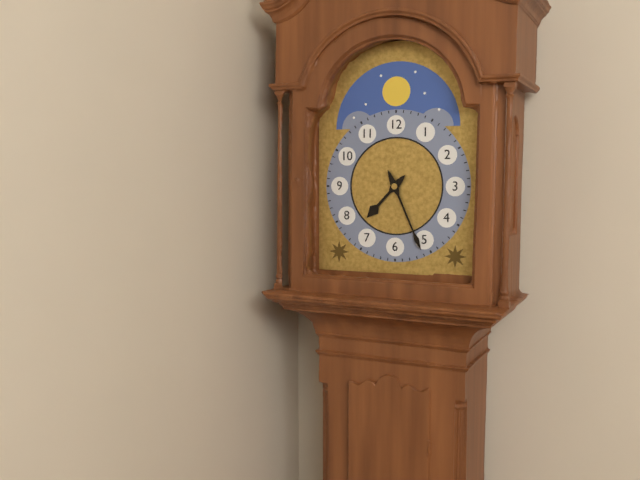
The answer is 7:26
